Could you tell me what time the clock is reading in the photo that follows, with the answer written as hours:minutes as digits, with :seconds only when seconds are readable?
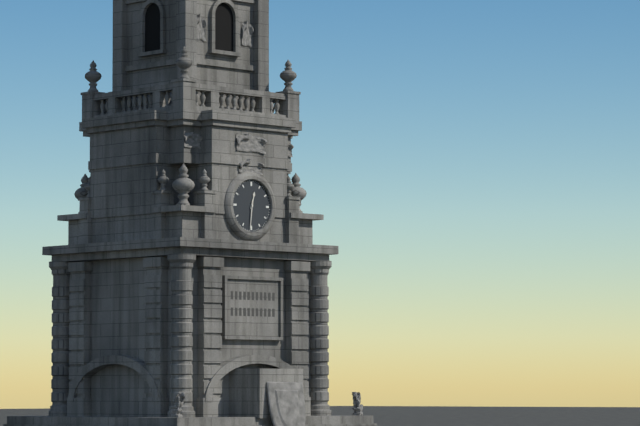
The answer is 12:31
